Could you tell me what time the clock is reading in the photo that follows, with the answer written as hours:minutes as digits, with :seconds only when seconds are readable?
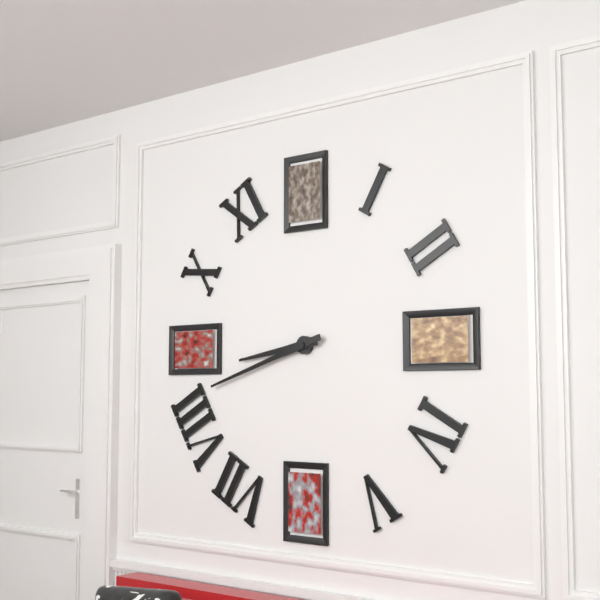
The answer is 8:42
